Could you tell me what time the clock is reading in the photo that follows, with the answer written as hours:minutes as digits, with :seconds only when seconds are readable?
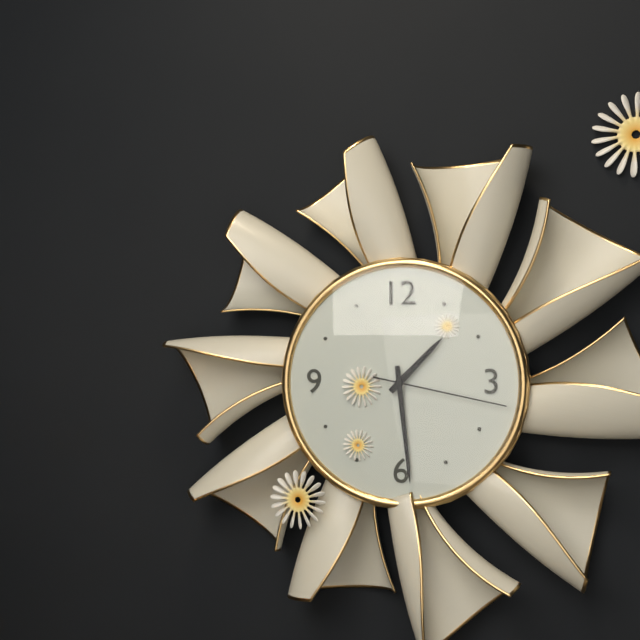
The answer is 1:29:17
